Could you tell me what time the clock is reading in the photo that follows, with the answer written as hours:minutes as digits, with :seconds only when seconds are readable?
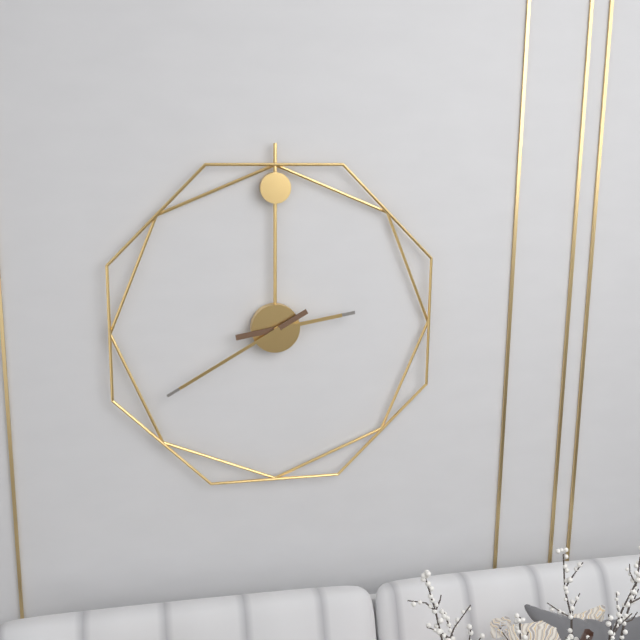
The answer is 2:40
